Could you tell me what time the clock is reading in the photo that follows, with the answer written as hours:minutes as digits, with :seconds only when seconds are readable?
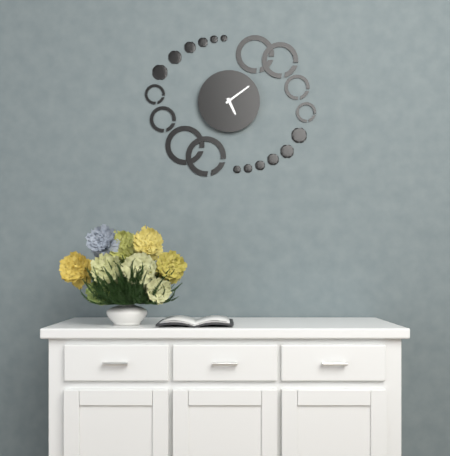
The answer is 5:09
